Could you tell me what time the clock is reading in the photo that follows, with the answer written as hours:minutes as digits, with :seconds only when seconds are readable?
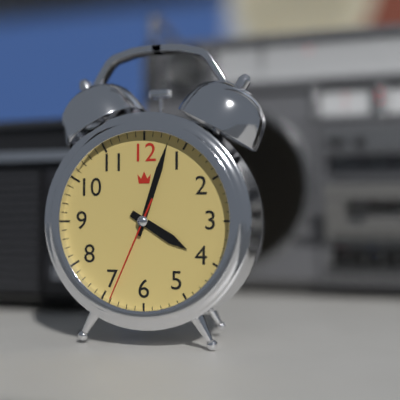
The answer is 4:03:34
